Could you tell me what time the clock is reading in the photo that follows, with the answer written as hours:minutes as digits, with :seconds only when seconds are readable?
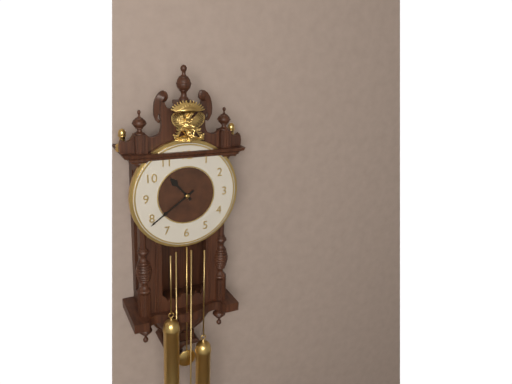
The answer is 10:39
